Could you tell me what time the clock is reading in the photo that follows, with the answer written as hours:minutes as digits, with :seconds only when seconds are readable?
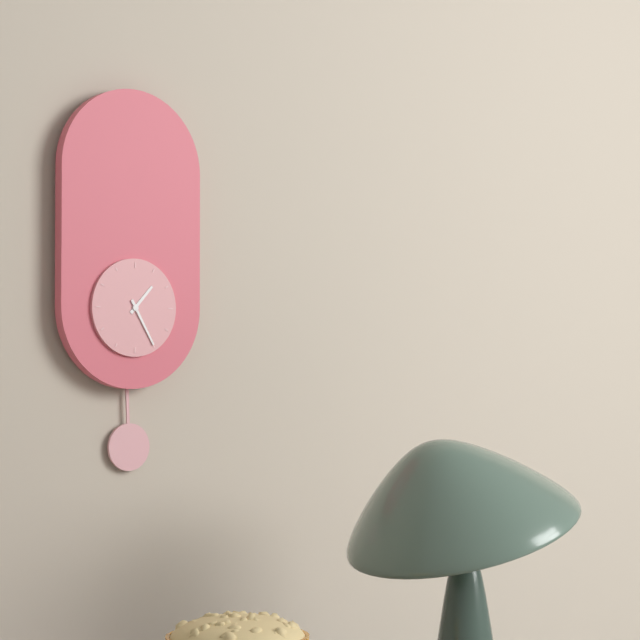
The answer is 1:25
